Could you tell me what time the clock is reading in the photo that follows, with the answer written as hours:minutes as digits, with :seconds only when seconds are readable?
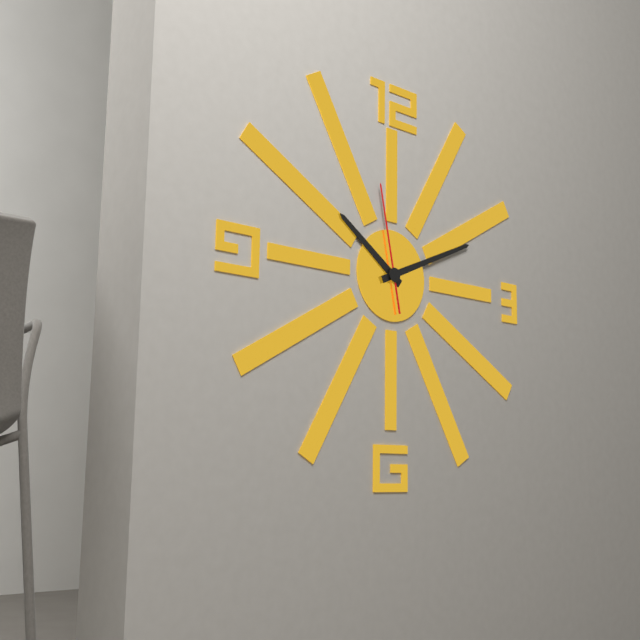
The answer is 10:11:58
